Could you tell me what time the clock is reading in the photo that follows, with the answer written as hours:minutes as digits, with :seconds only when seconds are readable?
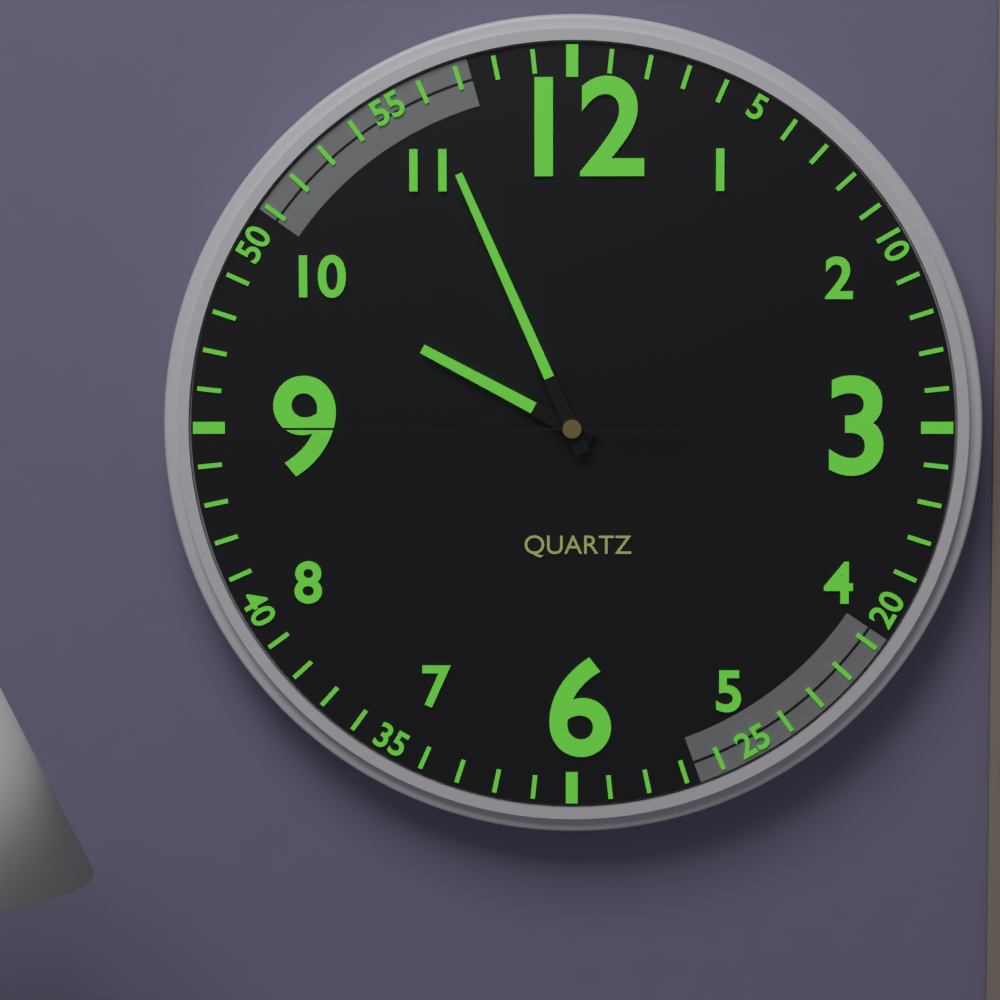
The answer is 9:56:45
